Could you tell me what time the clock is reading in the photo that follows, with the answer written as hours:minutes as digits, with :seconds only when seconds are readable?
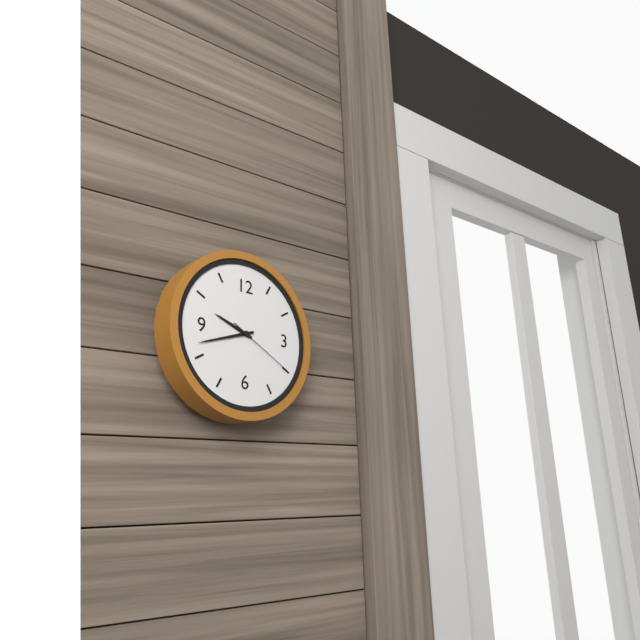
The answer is 9:42:20
